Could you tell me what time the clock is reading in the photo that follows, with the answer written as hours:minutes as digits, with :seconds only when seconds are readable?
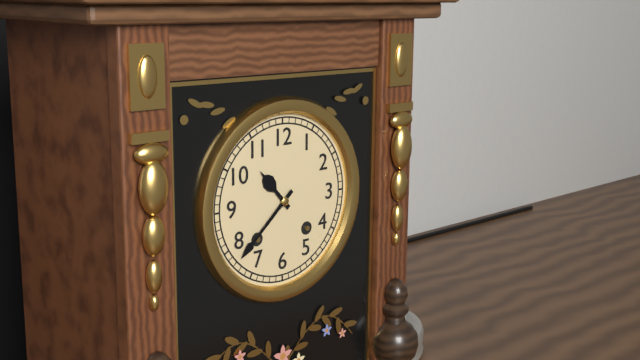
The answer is 10:38
